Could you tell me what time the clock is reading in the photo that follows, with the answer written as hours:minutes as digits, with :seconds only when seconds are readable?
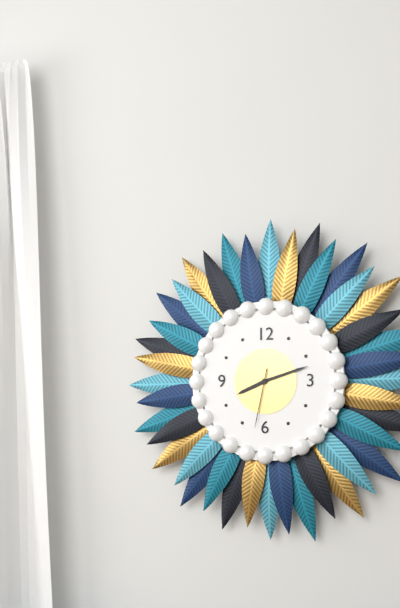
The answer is 8:12:32
